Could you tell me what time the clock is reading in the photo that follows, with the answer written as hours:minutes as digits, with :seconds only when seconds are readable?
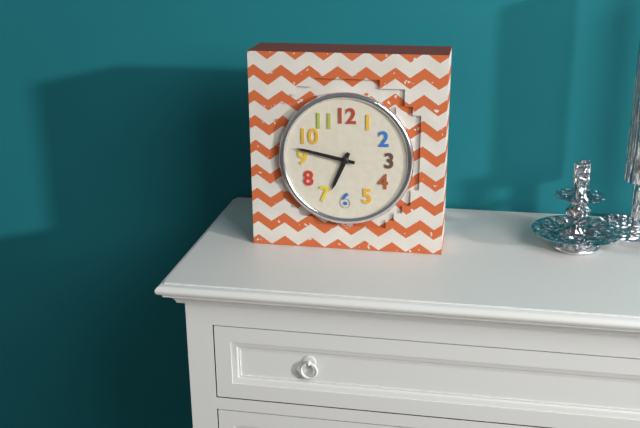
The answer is 6:47
